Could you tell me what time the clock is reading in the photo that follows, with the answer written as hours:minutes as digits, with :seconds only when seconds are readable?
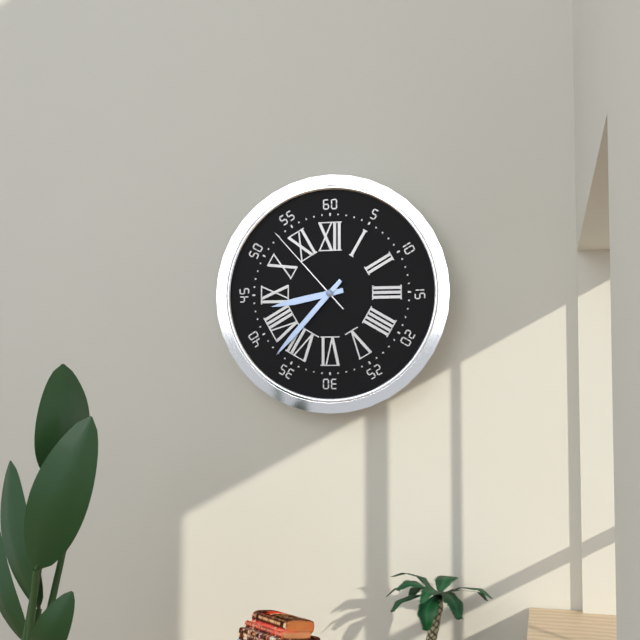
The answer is 8:37:53
